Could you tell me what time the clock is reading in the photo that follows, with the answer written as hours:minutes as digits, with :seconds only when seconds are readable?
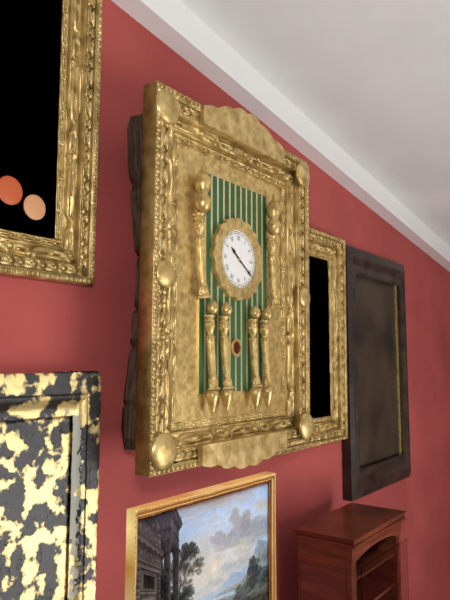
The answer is 10:21
